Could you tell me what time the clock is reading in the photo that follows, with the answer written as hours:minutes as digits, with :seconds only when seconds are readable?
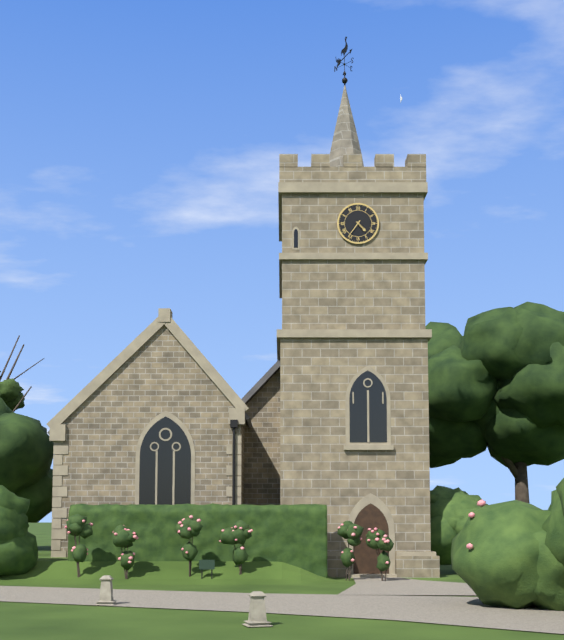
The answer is 4:36
